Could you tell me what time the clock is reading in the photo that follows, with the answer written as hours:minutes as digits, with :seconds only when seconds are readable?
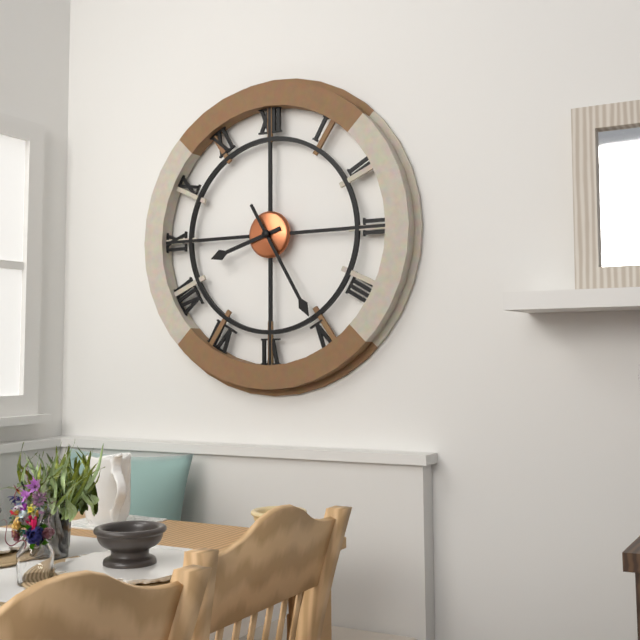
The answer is 8:25
